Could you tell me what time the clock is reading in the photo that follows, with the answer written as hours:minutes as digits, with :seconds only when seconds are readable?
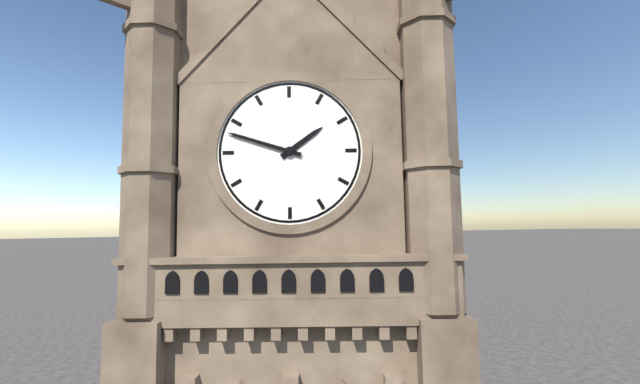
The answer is 1:48
